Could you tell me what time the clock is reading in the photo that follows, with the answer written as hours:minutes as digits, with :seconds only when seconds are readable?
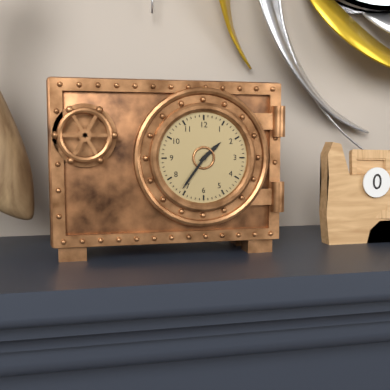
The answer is 1:36
